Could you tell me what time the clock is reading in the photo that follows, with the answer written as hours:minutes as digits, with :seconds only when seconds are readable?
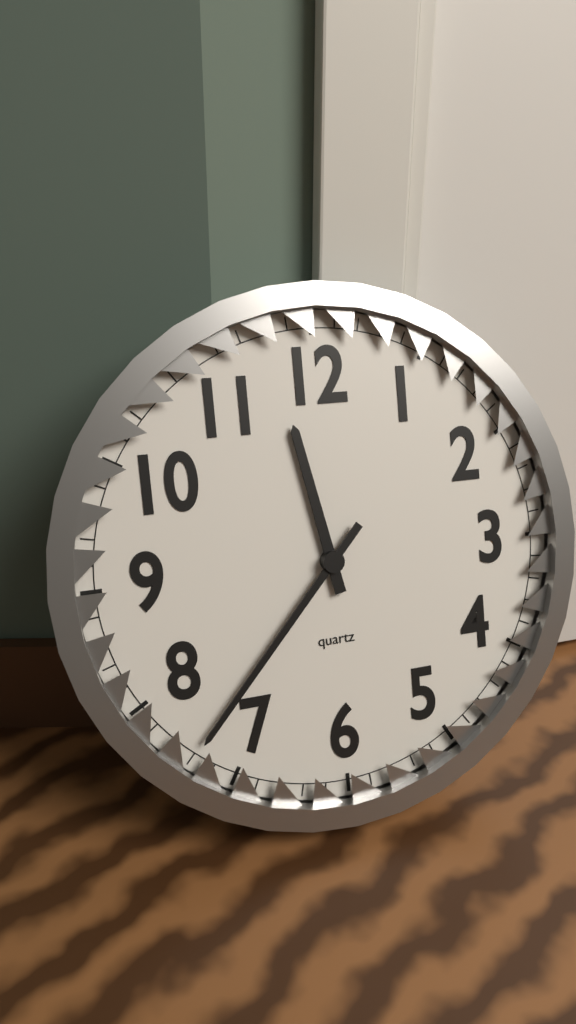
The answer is 11:37
